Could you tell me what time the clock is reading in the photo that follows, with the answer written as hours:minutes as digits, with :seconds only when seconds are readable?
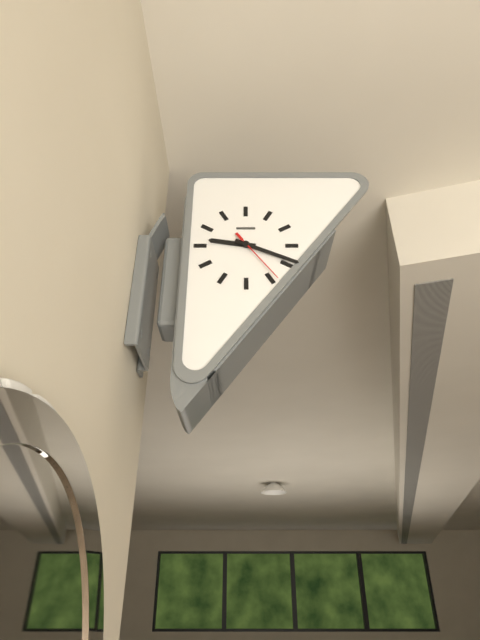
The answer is 9:19:24
